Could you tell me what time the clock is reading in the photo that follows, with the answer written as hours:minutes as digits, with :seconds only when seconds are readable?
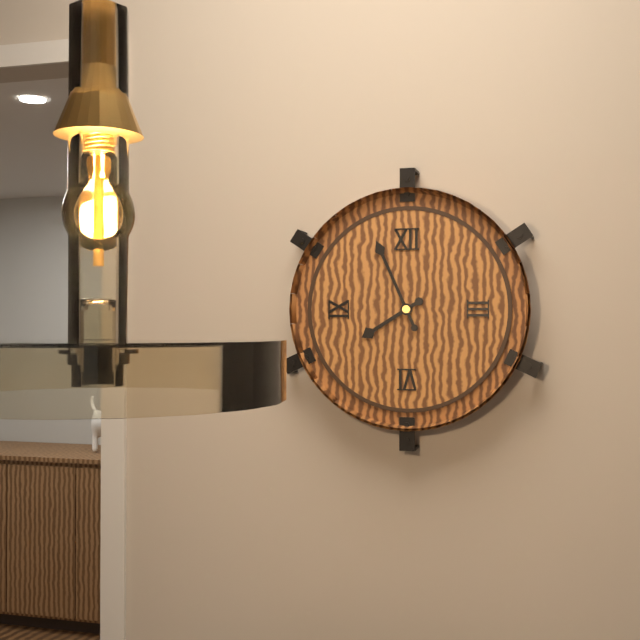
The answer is 7:56
